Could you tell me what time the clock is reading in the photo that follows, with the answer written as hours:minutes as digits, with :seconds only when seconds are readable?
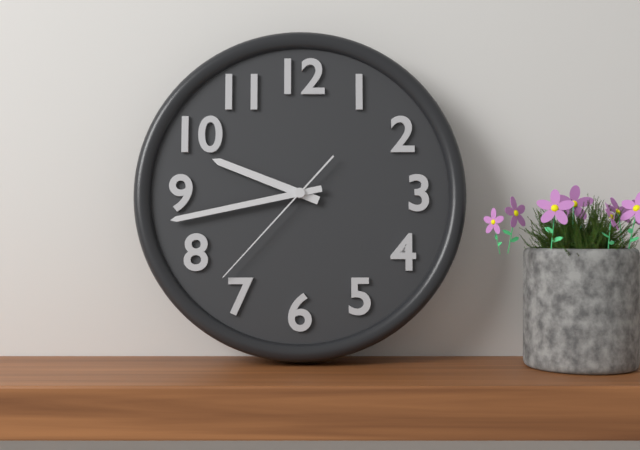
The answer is 9:43:37
